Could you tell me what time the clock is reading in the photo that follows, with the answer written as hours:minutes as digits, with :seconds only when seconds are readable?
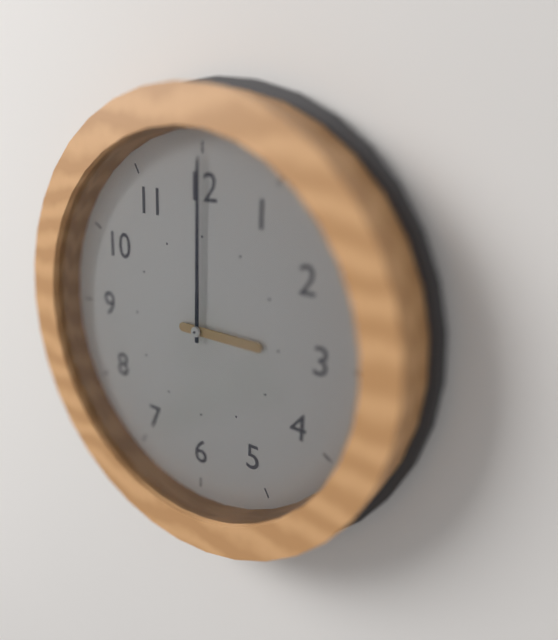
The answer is 3:00
